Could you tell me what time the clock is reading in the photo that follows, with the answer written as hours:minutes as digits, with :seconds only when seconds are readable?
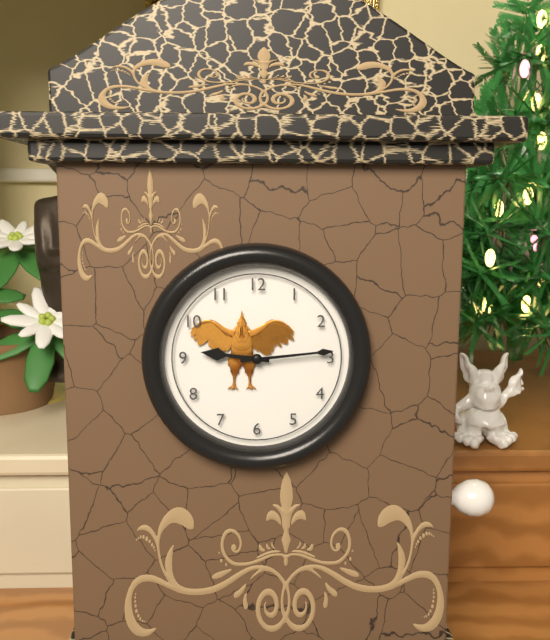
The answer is 9:14
